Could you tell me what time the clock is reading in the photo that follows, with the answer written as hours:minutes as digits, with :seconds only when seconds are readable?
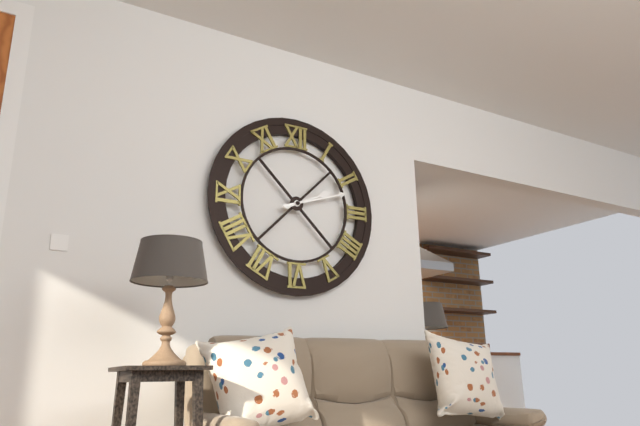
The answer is 2:12
